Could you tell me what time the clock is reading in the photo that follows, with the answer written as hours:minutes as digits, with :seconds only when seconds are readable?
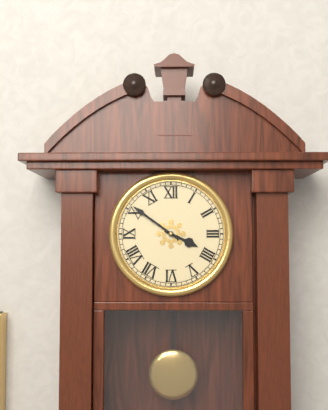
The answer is 3:51
